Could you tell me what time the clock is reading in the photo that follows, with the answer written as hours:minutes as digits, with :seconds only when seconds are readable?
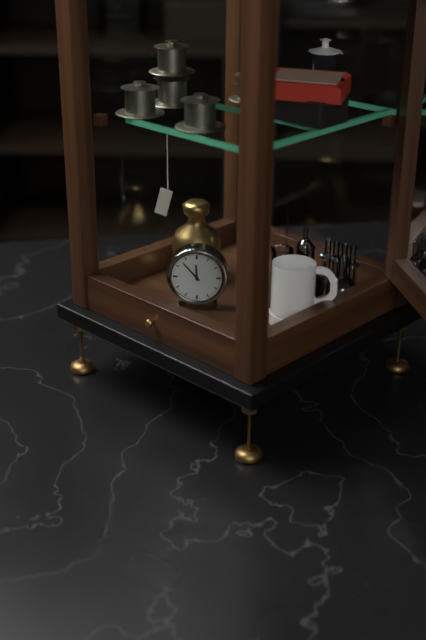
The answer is 11:53
